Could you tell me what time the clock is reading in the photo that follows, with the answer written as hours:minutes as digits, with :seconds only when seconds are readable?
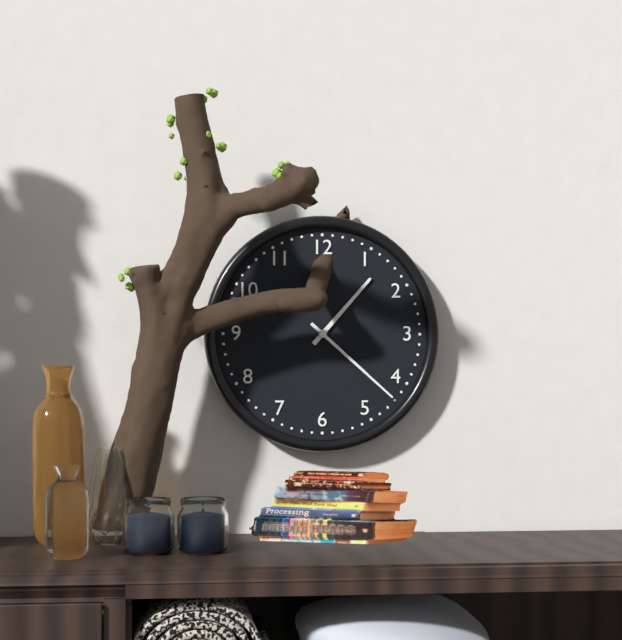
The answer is 1:22
